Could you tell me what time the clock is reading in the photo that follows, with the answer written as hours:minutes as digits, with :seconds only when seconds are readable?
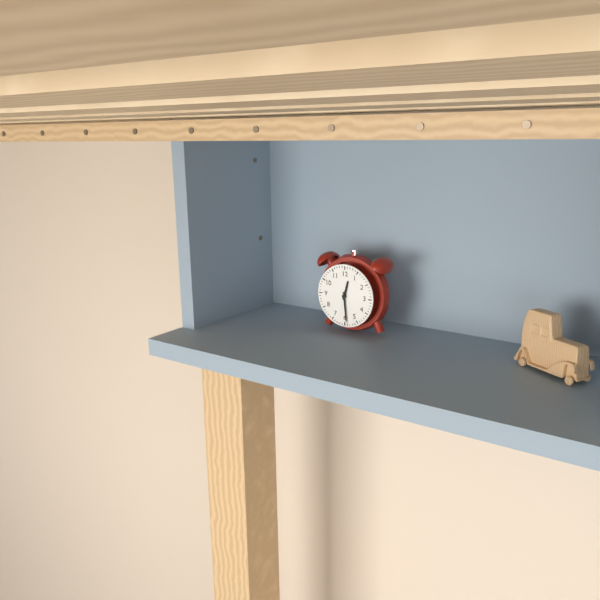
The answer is 12:29
